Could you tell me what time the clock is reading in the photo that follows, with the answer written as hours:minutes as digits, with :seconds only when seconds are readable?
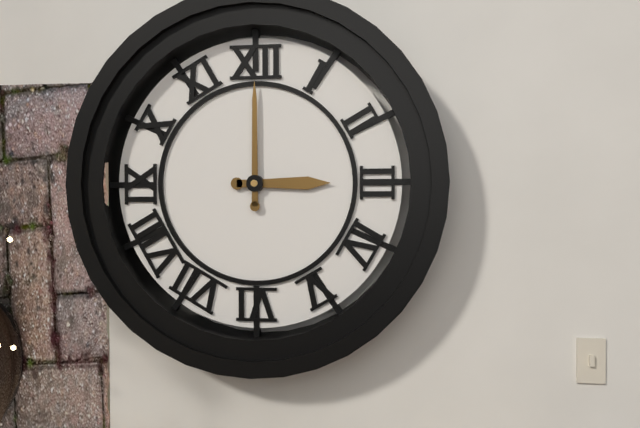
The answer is 3:00
